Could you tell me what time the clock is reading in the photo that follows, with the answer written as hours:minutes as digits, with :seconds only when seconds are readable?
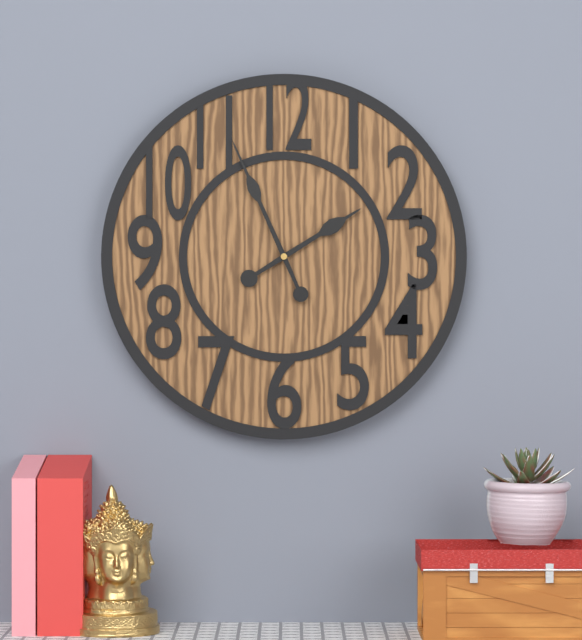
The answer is 1:56
